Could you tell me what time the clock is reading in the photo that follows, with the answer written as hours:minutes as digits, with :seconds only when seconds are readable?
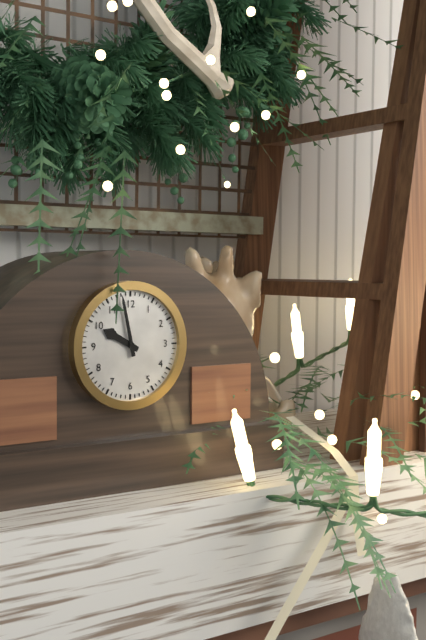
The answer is 9:58
